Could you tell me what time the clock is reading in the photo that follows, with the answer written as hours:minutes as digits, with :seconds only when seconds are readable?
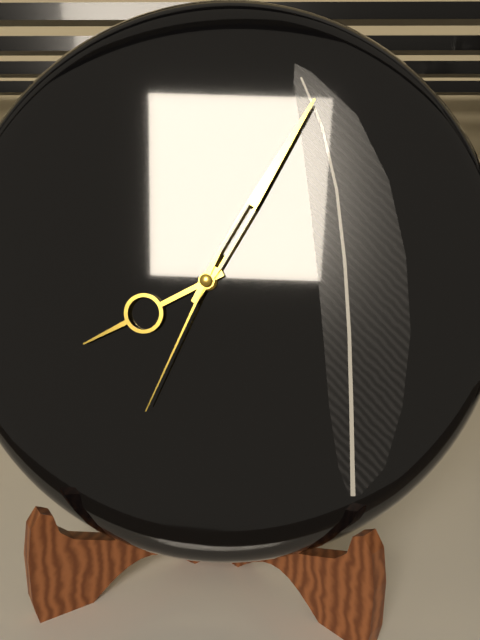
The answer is 8:05:34
